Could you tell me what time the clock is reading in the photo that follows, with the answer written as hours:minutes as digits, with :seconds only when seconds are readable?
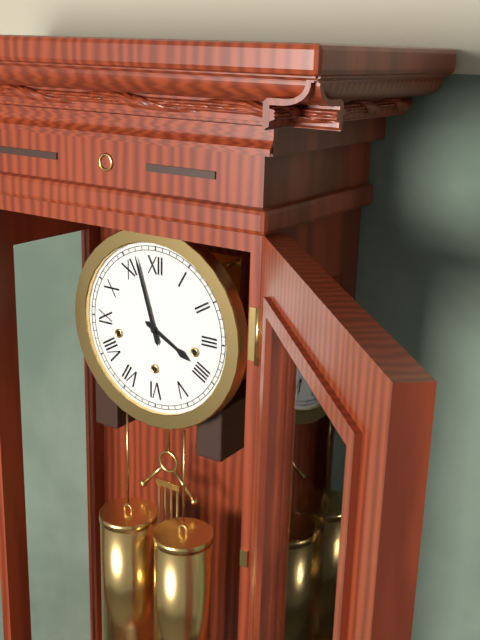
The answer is 3:57
